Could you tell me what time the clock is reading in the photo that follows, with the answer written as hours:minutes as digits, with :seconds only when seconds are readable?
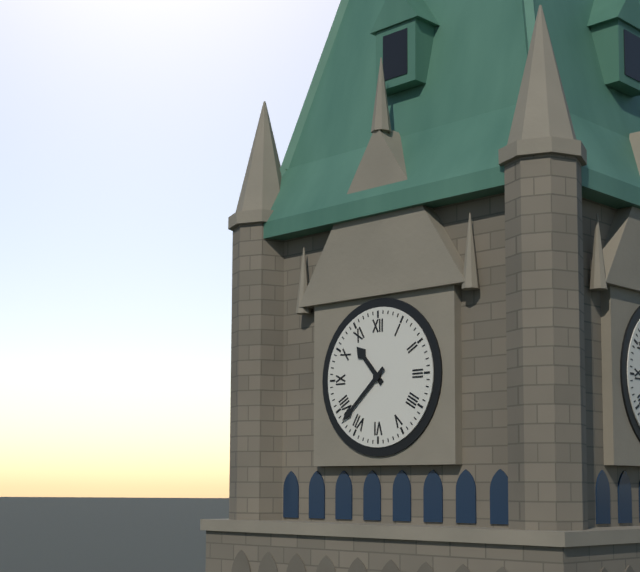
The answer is 10:38
